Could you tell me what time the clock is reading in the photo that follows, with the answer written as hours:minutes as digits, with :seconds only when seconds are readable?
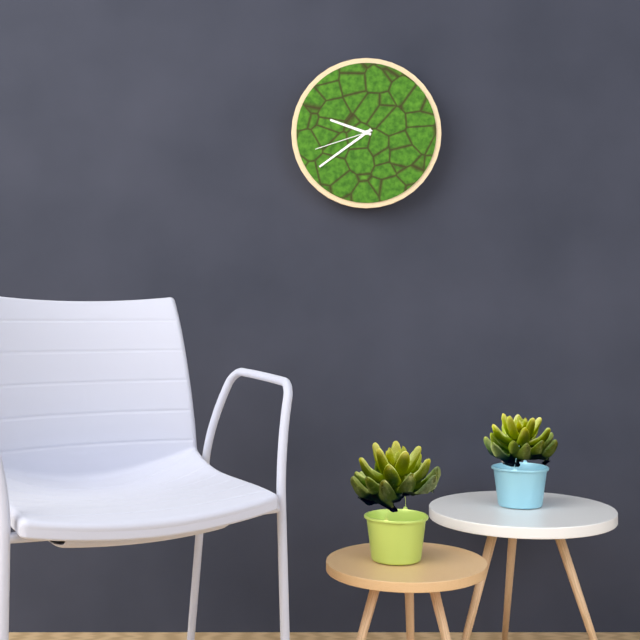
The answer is 9:39:42
